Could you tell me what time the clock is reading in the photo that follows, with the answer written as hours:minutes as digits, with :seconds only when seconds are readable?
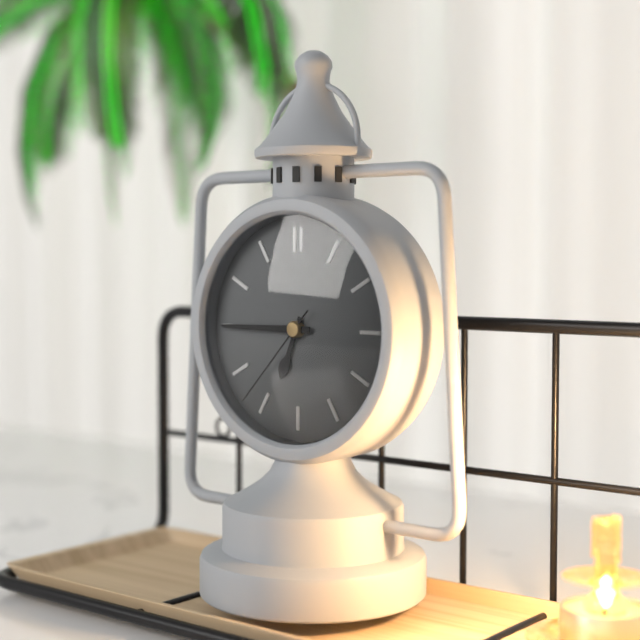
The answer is 6:45:37
